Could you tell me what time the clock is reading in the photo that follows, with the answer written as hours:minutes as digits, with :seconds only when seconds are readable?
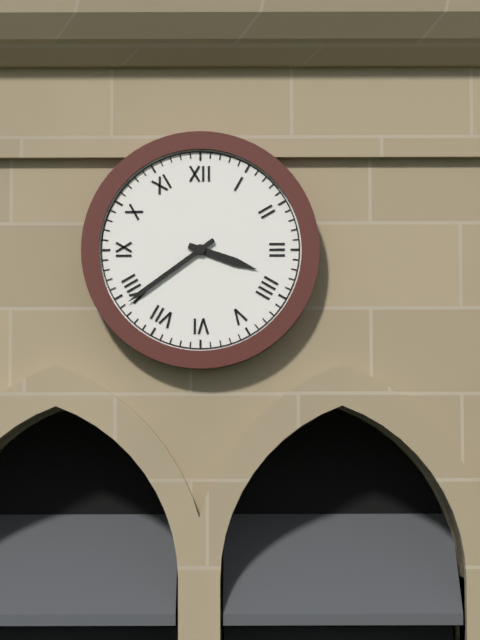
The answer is 3:39
